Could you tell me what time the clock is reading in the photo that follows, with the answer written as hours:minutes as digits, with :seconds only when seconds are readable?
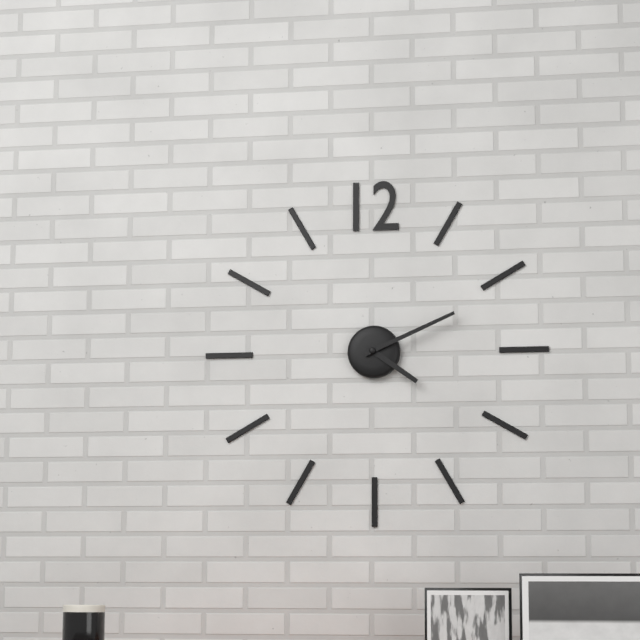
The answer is 4:11
